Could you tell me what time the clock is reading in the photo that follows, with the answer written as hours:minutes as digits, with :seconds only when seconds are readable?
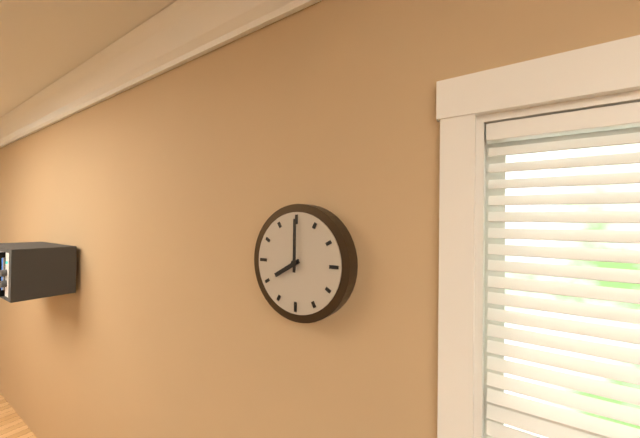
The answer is 8:00
